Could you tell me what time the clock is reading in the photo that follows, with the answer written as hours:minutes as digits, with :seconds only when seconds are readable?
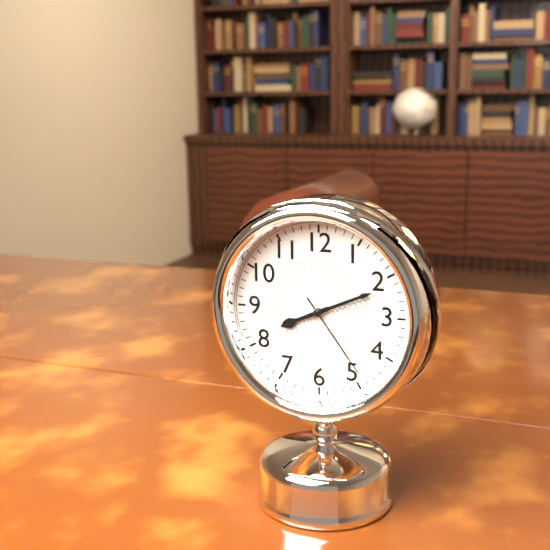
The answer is 8:11:24
